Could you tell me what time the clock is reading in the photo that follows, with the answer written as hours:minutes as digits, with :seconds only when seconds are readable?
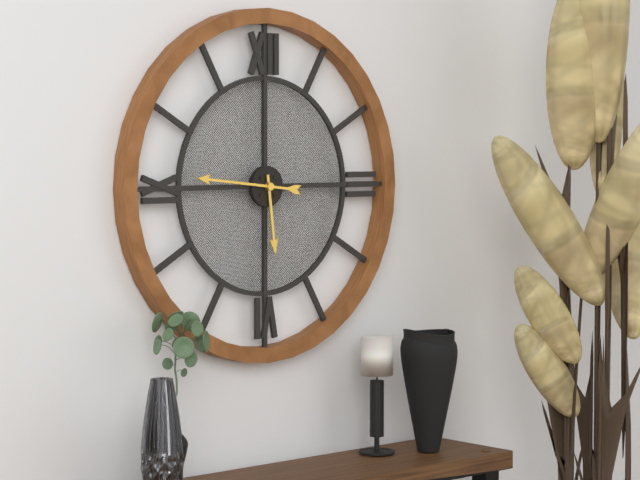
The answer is 5:46
